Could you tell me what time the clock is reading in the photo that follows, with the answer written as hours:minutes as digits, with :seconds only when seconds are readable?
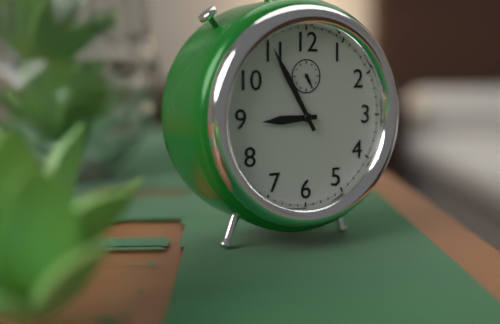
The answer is 8:55
